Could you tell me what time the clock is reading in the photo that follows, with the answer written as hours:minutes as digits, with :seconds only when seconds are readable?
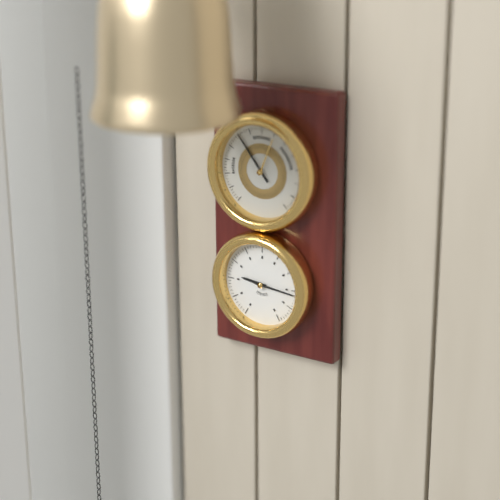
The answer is 9:16
